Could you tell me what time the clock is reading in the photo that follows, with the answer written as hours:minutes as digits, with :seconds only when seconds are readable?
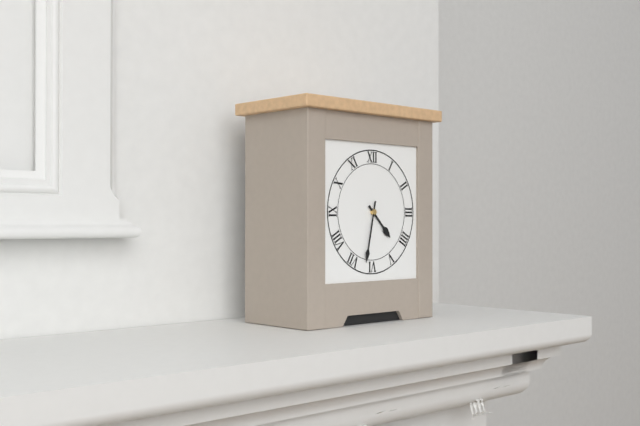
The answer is 4:32
